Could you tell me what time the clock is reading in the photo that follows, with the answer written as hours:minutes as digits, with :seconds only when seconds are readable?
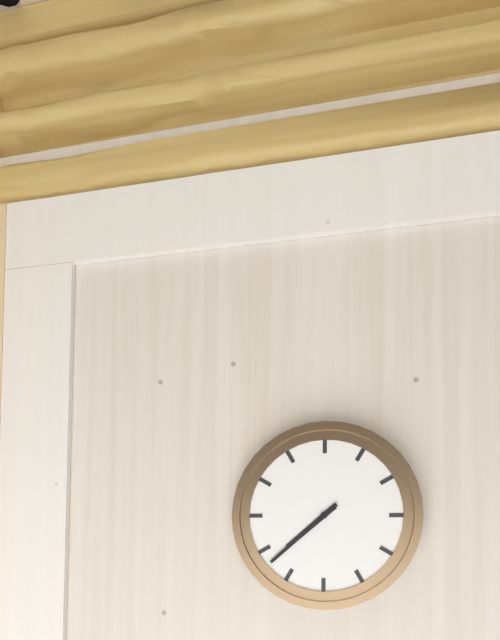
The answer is 7:38
